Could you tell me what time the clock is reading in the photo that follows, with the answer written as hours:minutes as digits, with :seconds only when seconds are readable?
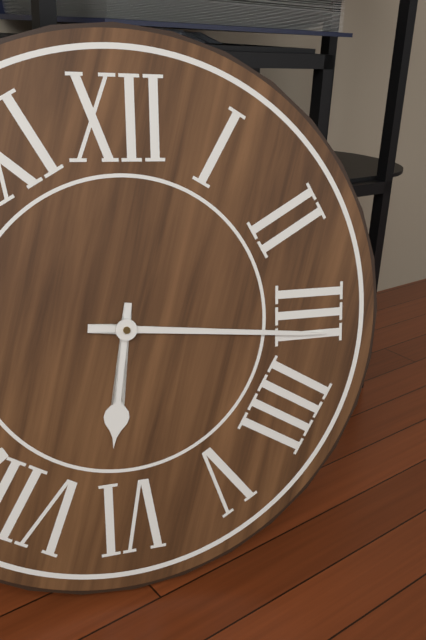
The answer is 6:16
